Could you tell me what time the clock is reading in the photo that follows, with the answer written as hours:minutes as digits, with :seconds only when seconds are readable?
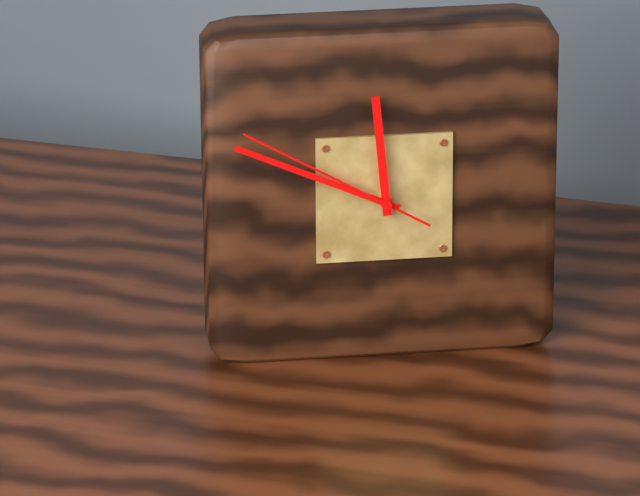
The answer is 11:49:50
